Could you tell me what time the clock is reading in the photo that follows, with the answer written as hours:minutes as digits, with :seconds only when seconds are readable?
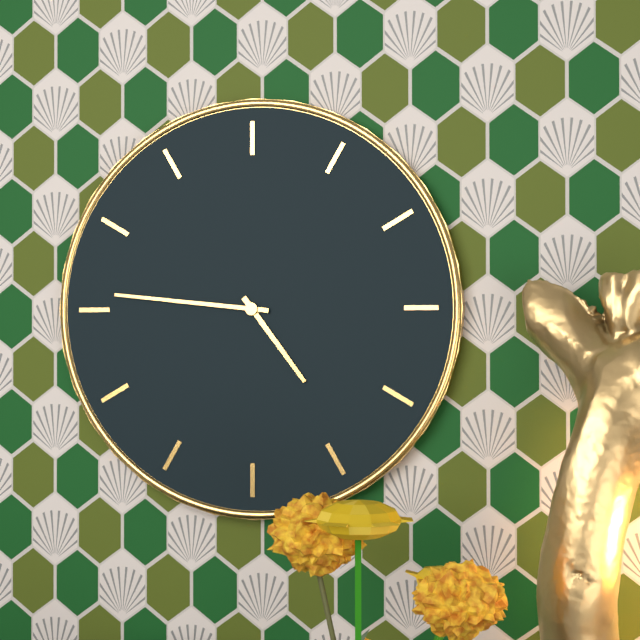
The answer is 4:46
